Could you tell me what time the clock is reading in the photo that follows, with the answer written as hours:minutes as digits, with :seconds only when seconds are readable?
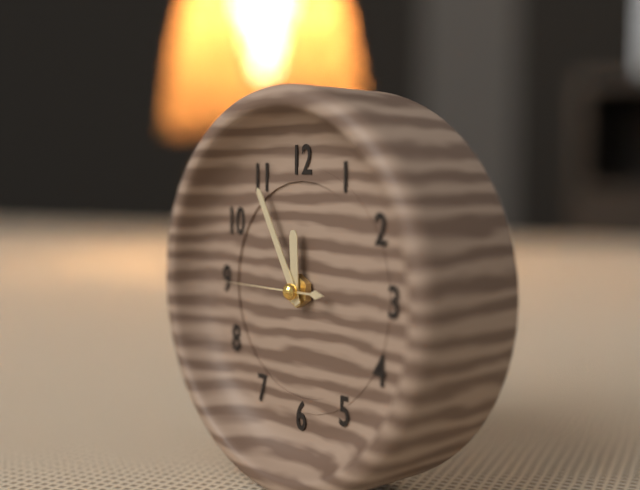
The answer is 11:55:45
